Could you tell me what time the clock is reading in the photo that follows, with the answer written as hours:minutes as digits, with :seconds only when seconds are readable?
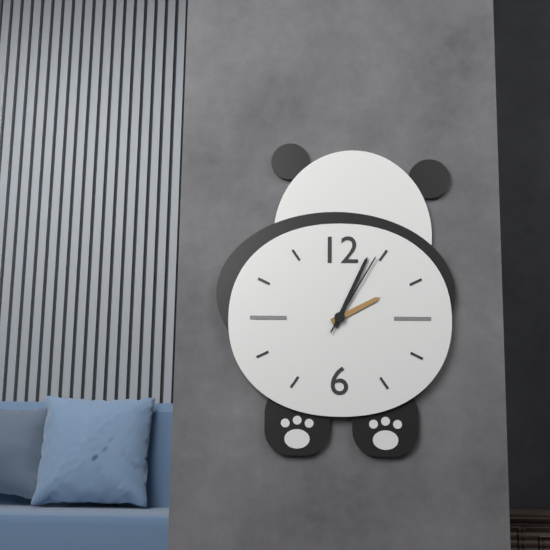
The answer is 2:04:05
